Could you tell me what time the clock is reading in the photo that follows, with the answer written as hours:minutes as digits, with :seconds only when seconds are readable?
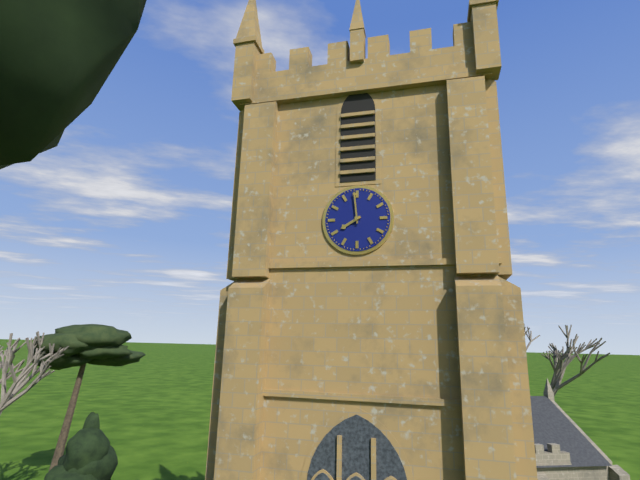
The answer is 7:59
